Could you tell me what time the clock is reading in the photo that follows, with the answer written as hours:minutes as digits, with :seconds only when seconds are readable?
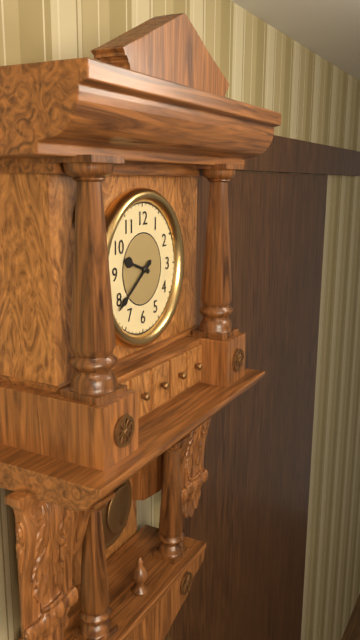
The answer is 9:39
